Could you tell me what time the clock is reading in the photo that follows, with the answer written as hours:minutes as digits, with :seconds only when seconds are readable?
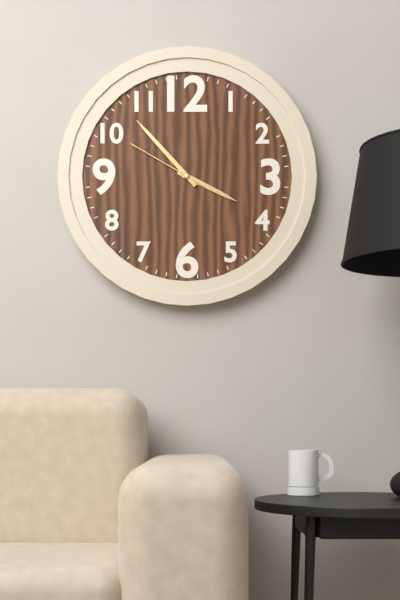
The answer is 3:53:50
